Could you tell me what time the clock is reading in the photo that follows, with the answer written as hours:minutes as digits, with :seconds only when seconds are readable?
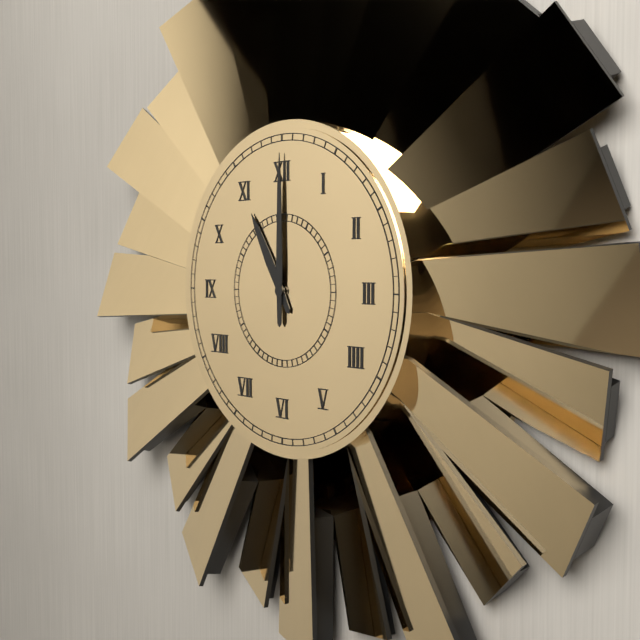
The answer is 11:00
